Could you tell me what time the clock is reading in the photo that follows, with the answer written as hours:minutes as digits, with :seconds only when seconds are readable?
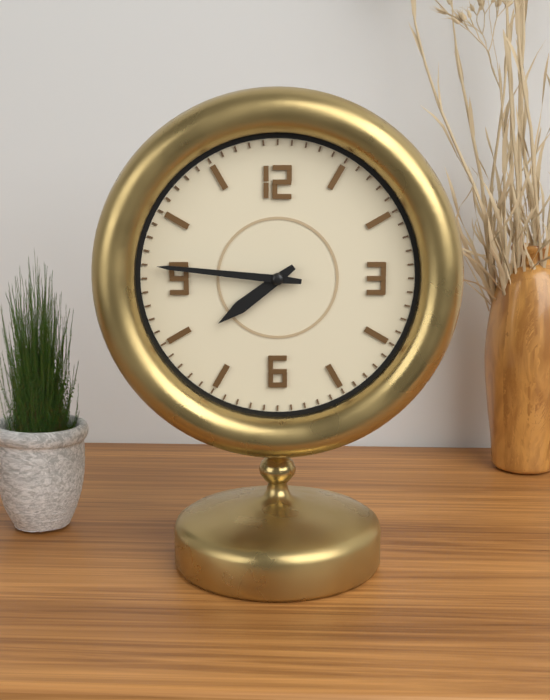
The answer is 7:46
